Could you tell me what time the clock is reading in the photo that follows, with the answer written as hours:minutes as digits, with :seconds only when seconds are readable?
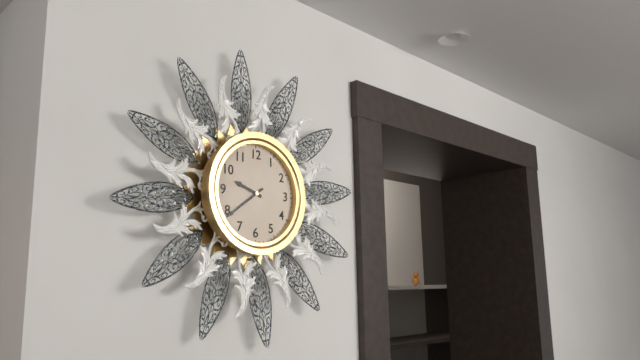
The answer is 9:39
